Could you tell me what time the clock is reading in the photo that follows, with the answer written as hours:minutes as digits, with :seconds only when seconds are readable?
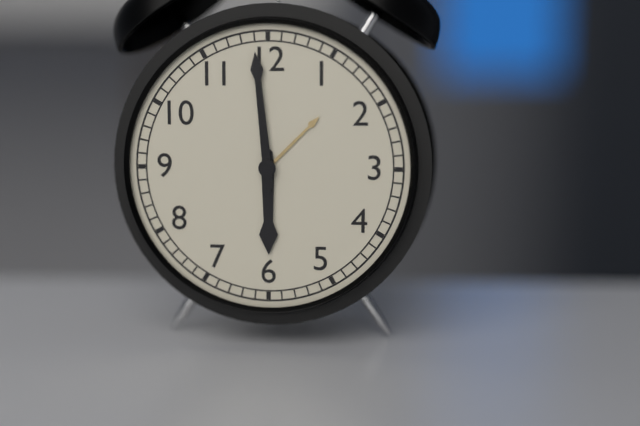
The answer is 5:59
